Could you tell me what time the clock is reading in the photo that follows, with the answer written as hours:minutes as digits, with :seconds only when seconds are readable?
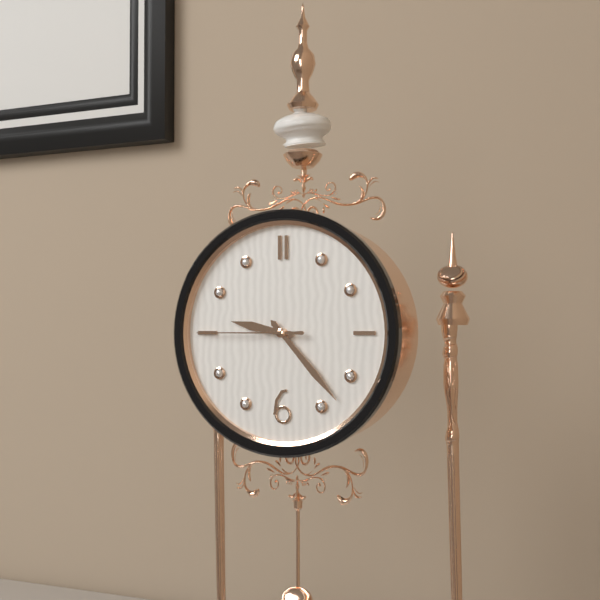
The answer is 9:23:45
